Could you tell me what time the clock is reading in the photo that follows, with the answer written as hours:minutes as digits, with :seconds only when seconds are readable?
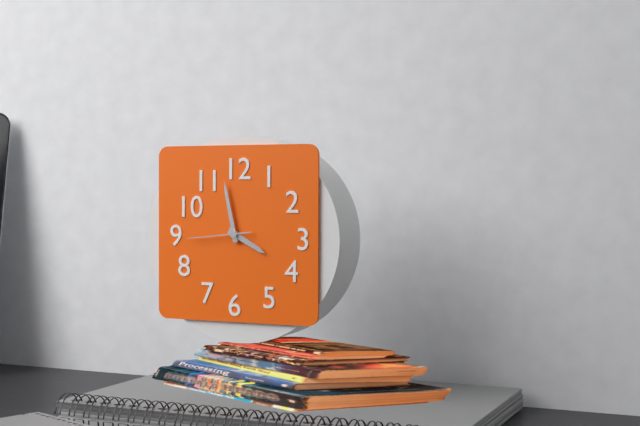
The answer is 3:58:44
